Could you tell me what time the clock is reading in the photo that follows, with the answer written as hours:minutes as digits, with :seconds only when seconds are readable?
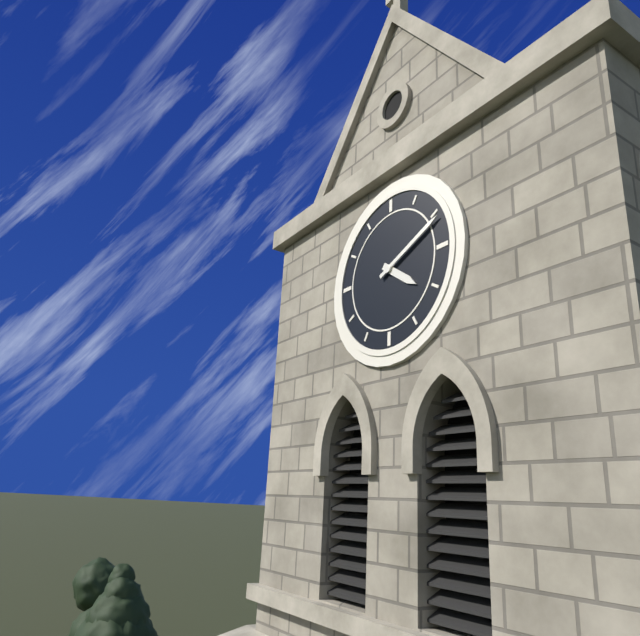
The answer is 4:11
